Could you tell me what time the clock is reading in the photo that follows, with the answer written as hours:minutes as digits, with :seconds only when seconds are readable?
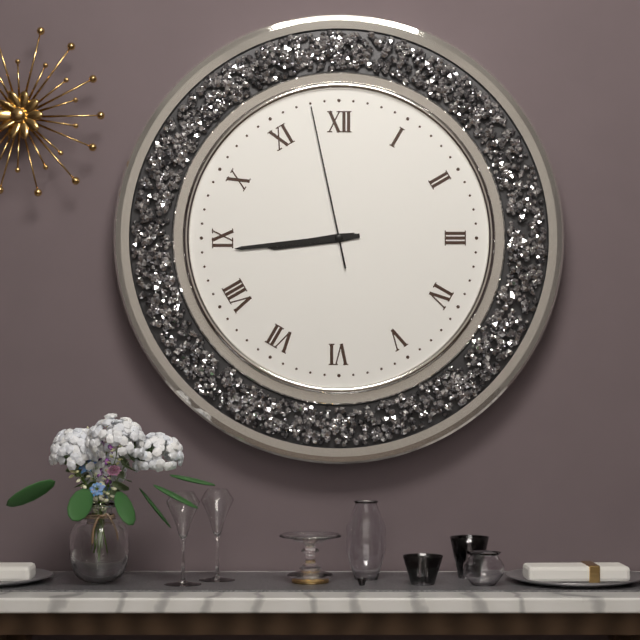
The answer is 8:44:58
